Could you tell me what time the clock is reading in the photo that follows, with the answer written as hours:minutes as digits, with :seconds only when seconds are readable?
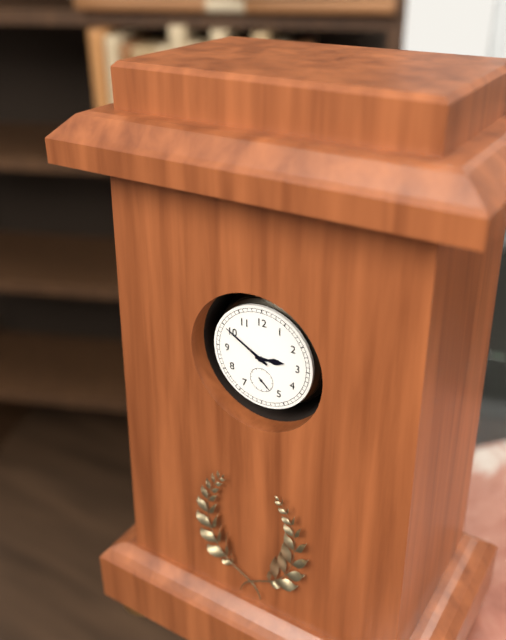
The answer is 2:50
